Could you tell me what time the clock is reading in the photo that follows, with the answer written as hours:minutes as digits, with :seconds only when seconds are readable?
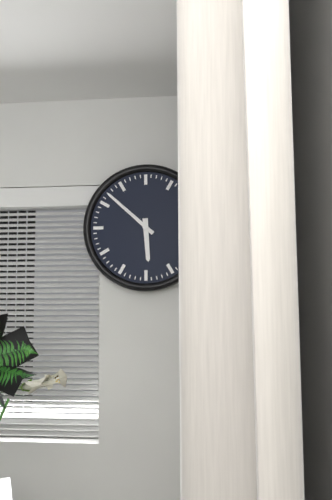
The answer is 5:52
